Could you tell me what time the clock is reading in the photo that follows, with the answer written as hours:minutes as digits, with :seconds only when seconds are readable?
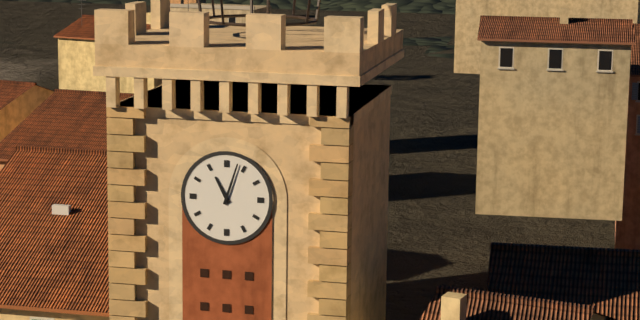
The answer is 11:03
